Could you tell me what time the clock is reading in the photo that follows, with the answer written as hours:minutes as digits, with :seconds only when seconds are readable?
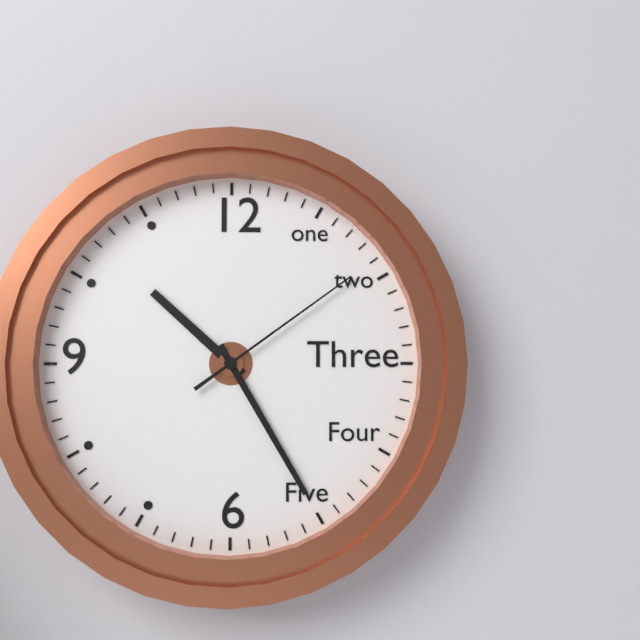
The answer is 10:25:09
